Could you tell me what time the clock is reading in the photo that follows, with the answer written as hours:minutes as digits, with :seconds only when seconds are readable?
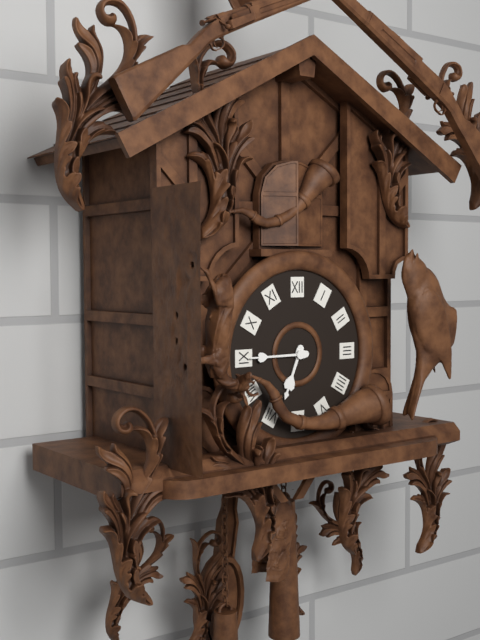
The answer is 6:45
